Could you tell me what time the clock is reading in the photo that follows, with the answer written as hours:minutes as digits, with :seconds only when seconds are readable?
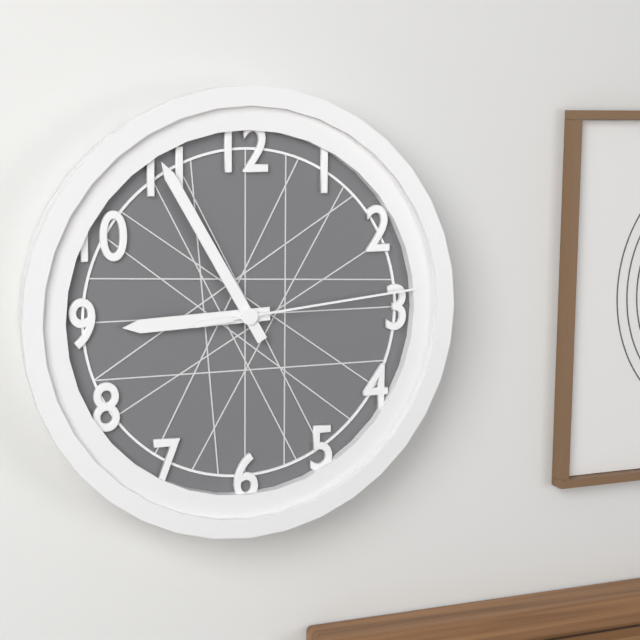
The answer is 8:55:14
